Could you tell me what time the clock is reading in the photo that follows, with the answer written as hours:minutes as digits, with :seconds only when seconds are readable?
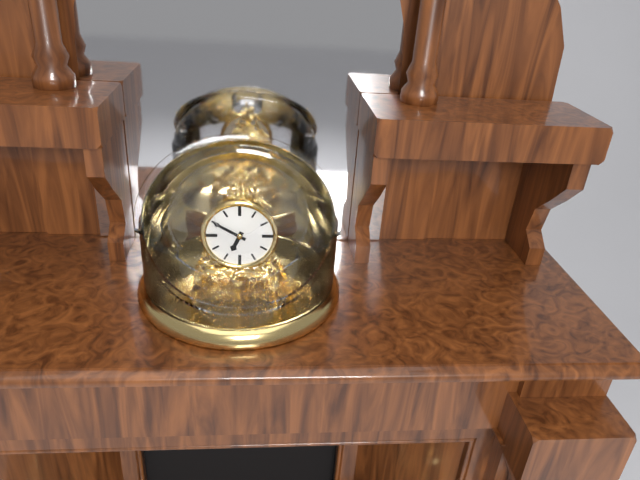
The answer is 6:50
